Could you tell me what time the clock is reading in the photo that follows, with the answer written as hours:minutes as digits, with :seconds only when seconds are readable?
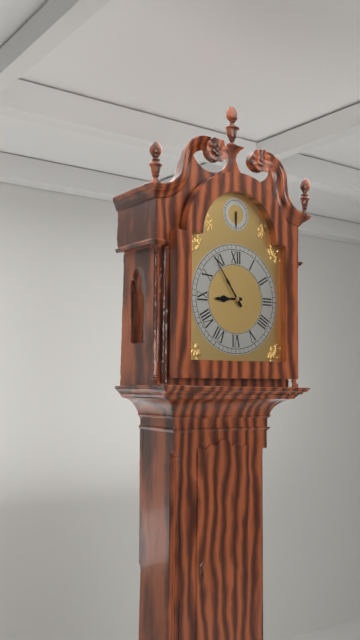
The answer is 8:54
